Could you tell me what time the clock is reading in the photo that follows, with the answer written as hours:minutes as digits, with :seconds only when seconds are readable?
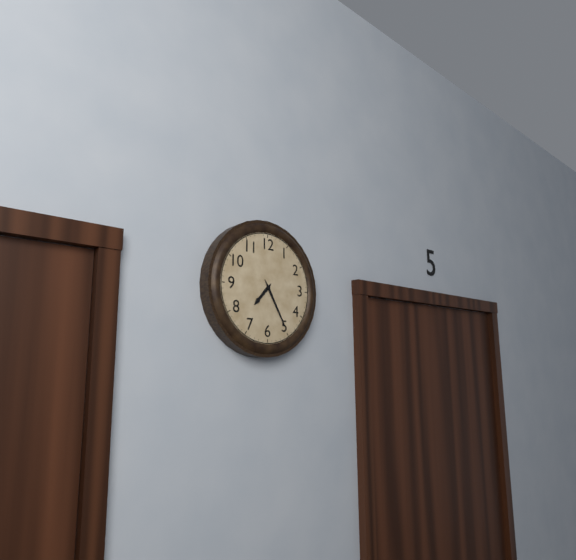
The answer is 7:25
